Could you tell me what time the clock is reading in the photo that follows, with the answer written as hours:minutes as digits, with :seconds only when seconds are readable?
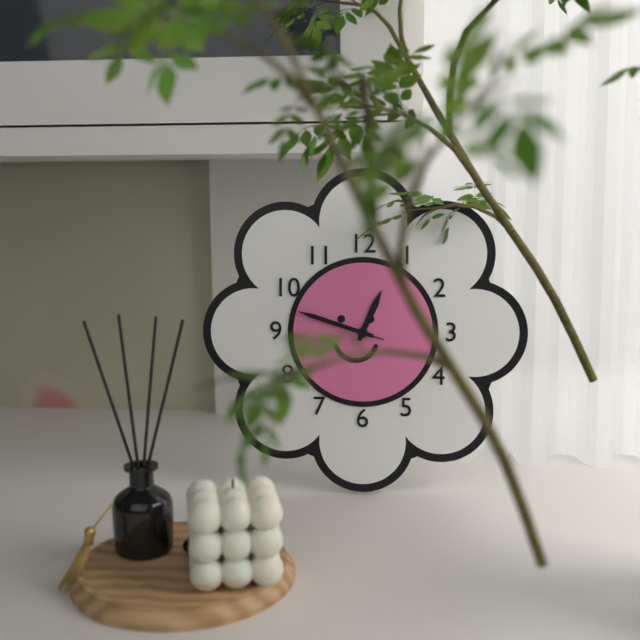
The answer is 12:48:48
